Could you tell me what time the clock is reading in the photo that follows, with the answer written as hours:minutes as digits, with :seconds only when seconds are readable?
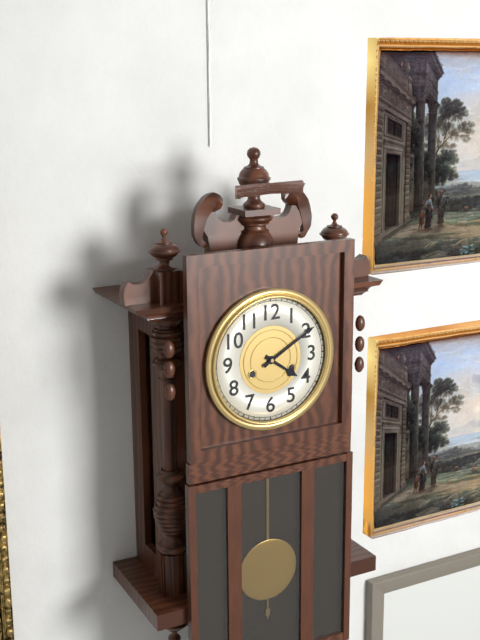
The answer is 4:10
